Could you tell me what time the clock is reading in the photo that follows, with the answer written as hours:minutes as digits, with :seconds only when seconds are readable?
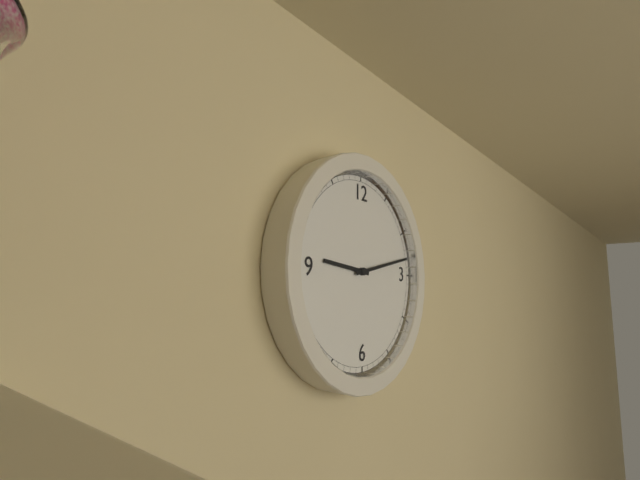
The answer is 9:13
